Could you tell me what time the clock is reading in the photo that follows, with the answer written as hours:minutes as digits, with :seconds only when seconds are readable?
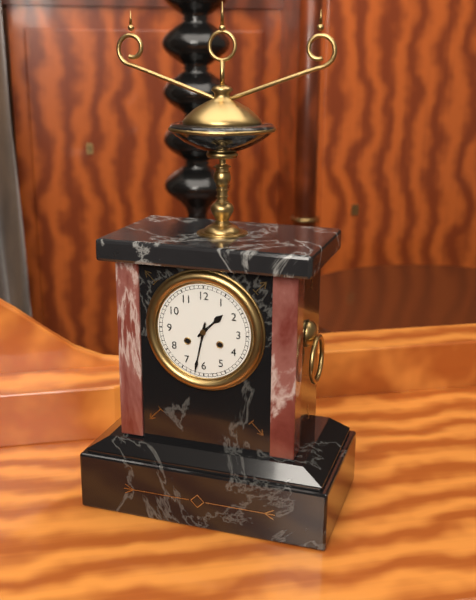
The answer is 1:32
